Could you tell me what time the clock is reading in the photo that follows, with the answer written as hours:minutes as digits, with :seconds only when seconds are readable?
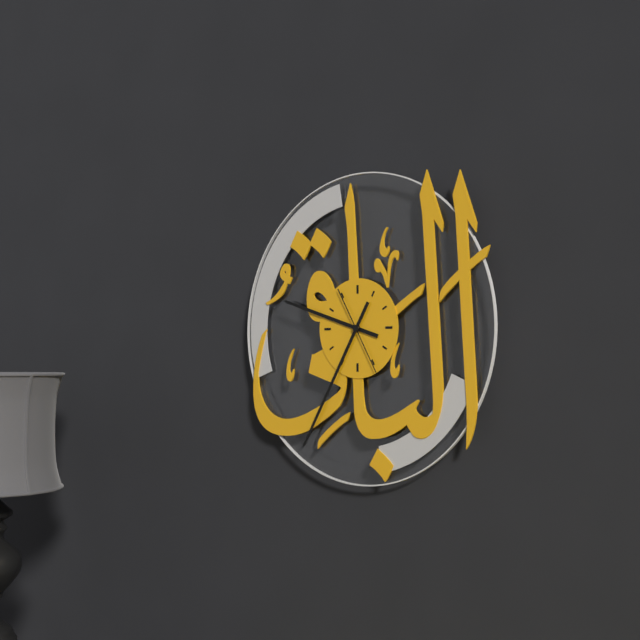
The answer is 9:35:25
